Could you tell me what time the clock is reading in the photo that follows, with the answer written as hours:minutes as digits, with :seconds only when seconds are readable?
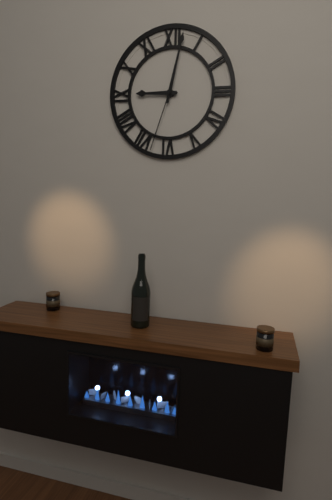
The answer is 9:02:33
